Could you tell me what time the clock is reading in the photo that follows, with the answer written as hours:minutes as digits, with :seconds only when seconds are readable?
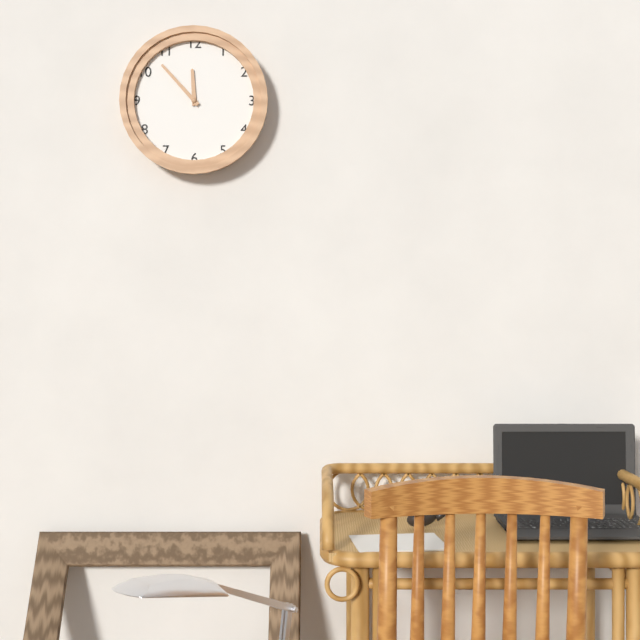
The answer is 11:53
